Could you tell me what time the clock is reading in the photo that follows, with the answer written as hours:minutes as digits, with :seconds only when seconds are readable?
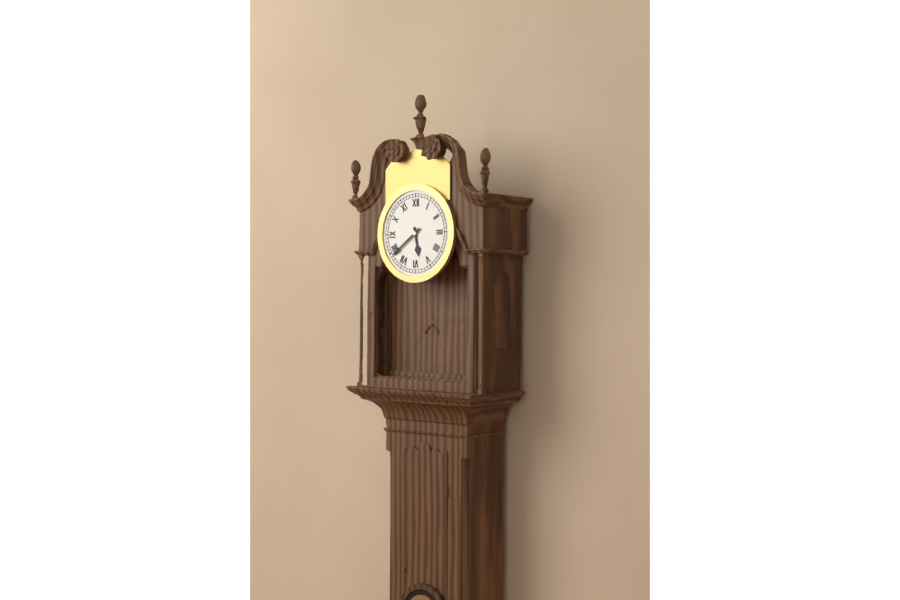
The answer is 5:39
